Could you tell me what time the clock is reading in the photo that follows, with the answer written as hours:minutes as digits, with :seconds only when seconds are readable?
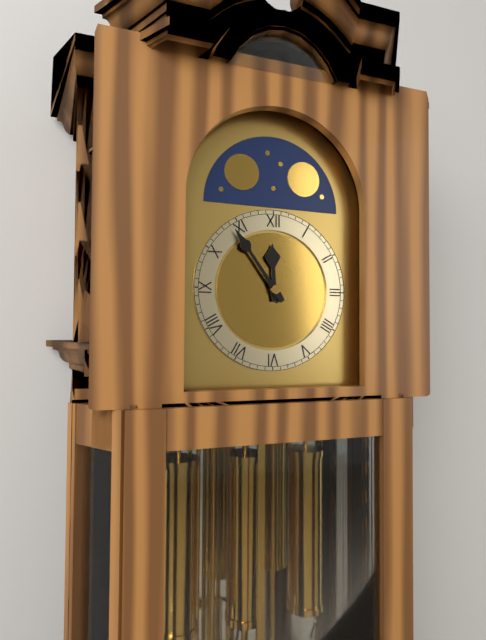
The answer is 11:54
